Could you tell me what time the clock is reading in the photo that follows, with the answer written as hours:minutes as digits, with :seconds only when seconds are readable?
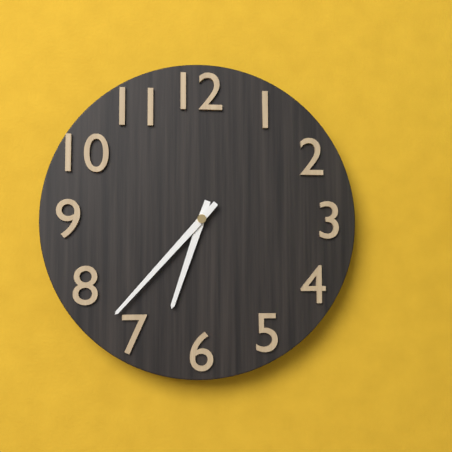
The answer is 6:37
